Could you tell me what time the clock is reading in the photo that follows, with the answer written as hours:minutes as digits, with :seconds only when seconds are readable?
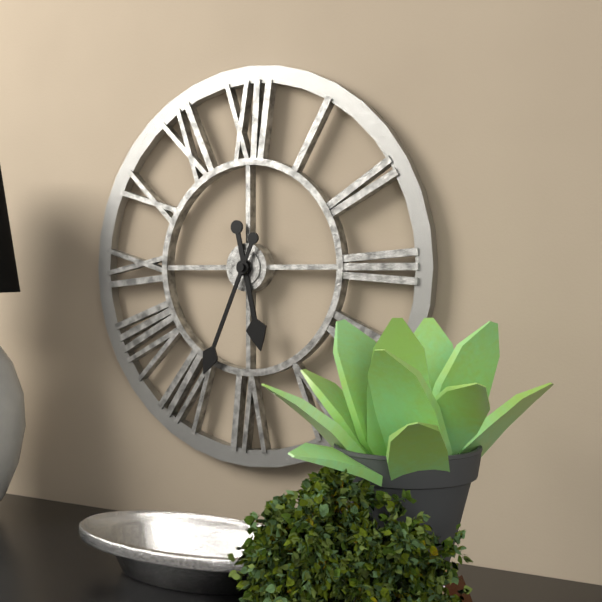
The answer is 5:34
